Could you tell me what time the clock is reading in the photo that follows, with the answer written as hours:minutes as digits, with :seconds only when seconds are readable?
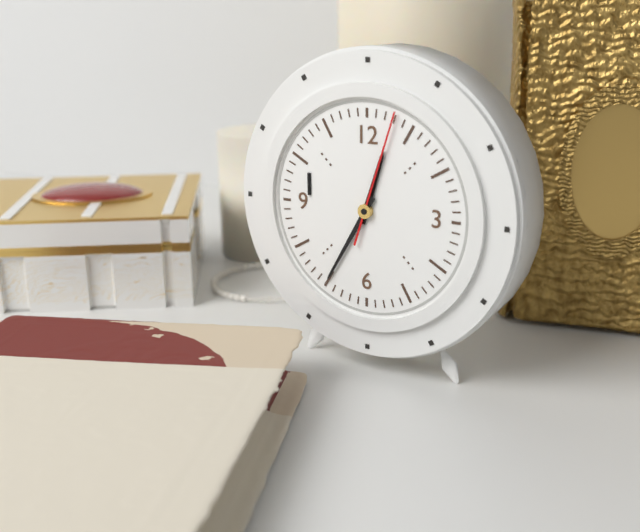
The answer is 12:35:03
